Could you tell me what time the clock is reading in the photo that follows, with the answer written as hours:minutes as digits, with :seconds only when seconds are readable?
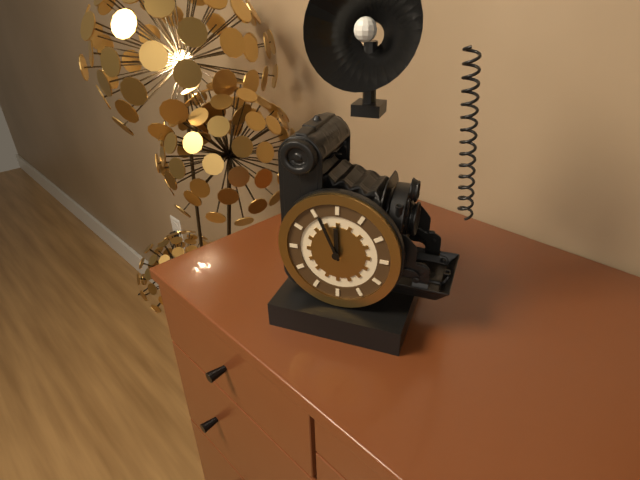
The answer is 11:56
